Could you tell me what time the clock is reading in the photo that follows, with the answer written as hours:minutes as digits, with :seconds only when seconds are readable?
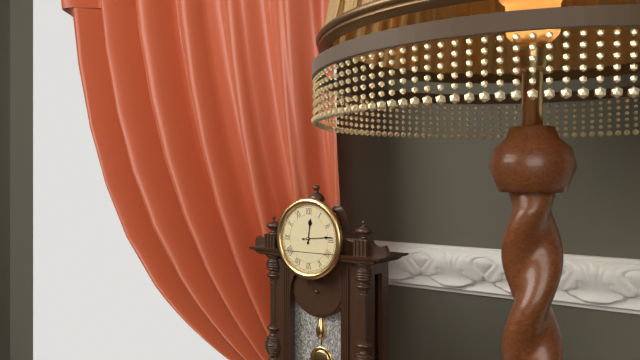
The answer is 12:14
